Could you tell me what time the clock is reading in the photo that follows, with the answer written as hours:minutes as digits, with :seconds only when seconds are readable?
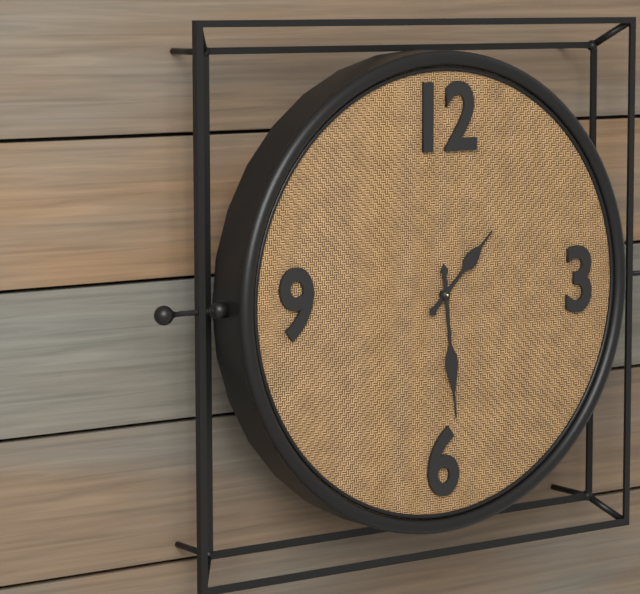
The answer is 1:29
